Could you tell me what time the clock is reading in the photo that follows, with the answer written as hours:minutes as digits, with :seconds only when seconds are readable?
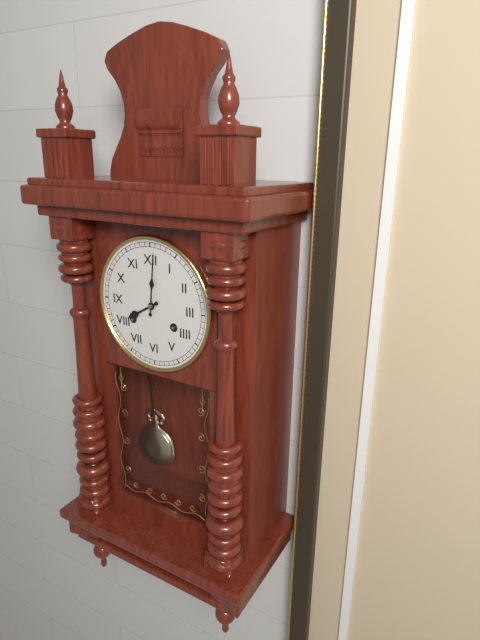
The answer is 8:01
